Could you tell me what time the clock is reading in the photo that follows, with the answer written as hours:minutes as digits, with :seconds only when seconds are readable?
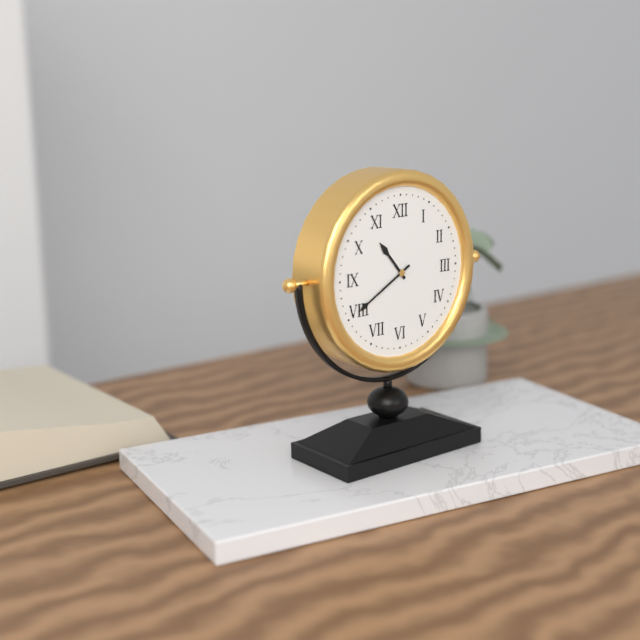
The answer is 10:40
